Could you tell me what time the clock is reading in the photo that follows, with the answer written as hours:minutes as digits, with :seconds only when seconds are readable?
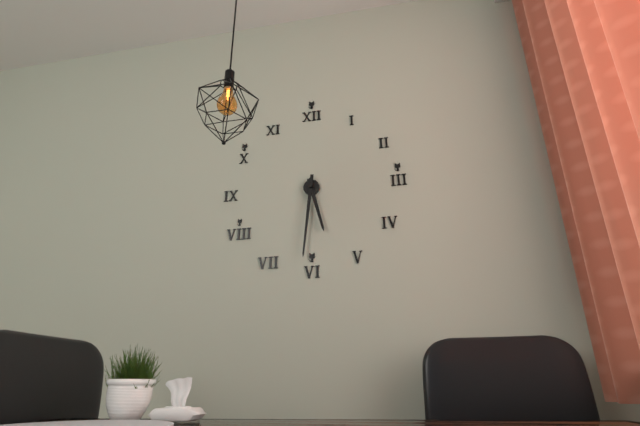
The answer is 5:31
